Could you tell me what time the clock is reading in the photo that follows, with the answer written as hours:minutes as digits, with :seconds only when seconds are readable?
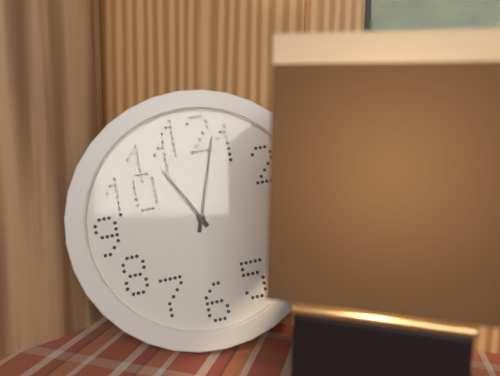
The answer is 11:03
